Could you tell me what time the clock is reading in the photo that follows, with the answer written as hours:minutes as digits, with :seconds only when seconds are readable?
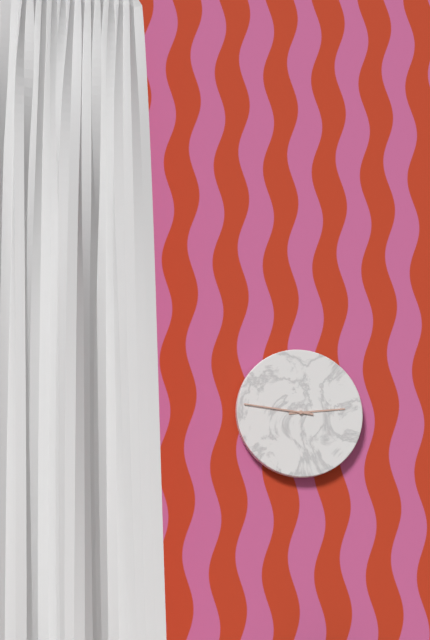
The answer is 2:46
